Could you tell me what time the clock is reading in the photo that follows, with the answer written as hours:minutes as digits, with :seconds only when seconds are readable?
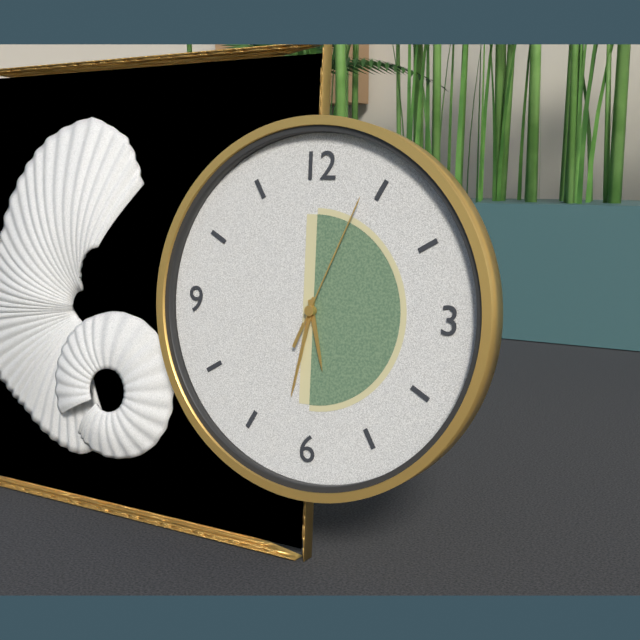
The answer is 5:32:04
